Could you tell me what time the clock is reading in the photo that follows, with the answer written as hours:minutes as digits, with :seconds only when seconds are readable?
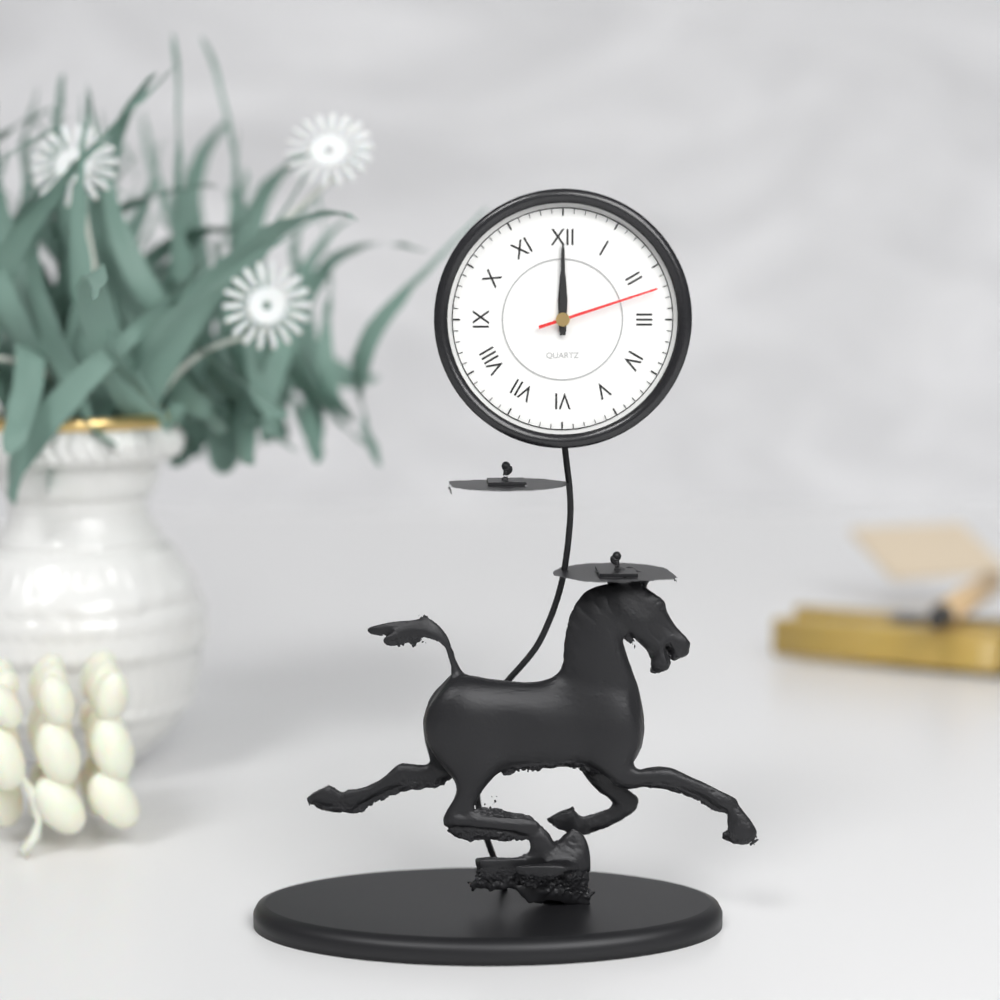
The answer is 12:00:12
